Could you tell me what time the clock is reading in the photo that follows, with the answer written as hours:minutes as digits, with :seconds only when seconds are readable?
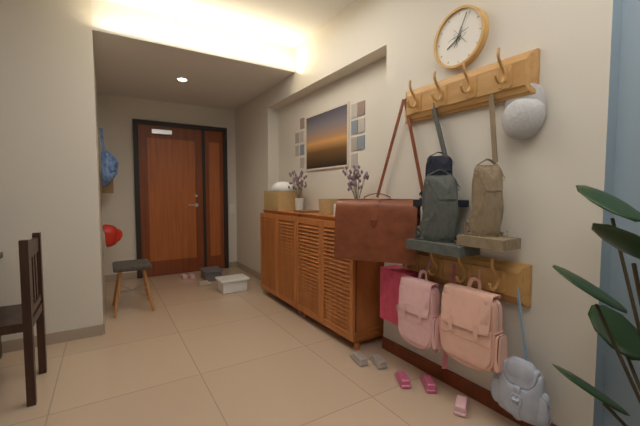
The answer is 8:04
